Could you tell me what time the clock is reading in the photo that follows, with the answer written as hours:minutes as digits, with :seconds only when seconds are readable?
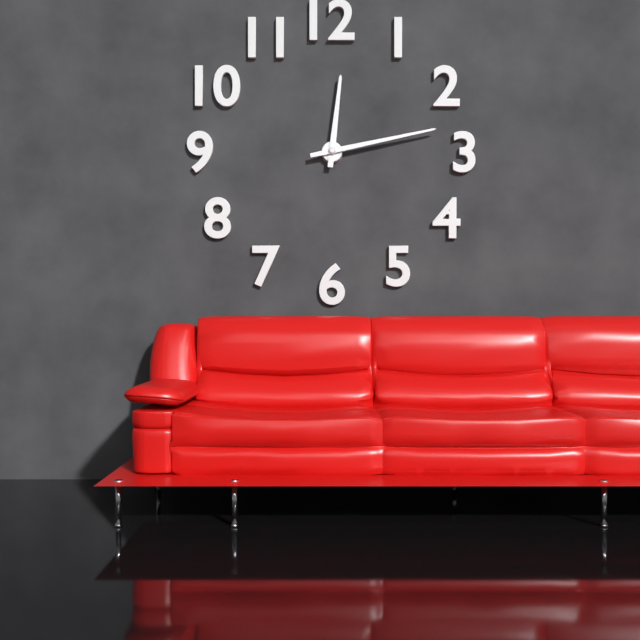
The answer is 12:13
